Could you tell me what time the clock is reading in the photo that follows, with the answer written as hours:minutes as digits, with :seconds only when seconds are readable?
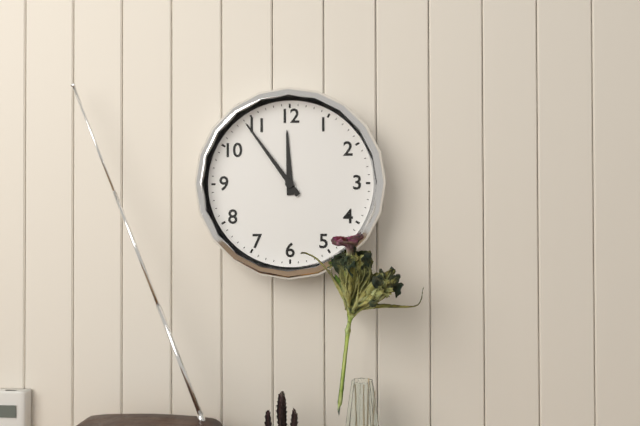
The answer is 11:54
